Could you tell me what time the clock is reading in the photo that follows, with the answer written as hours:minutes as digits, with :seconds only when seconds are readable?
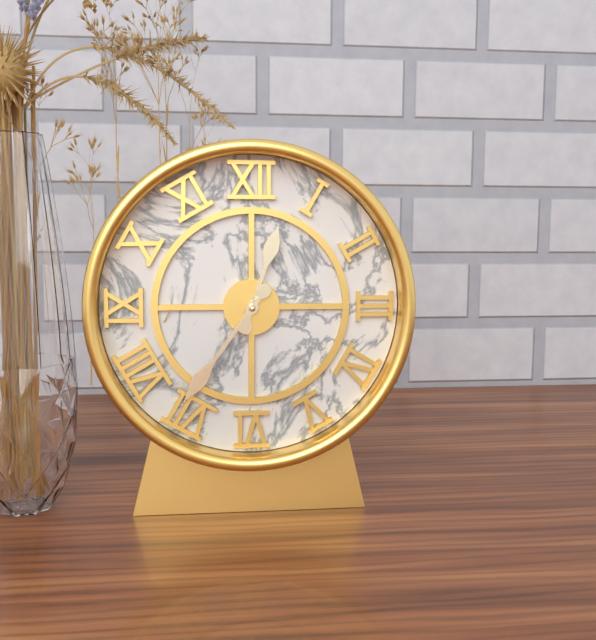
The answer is 12:36
